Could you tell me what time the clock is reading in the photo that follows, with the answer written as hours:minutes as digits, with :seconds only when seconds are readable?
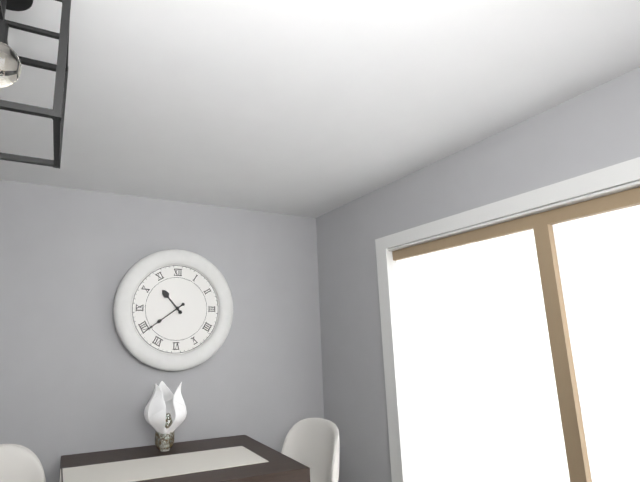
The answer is 10:39
